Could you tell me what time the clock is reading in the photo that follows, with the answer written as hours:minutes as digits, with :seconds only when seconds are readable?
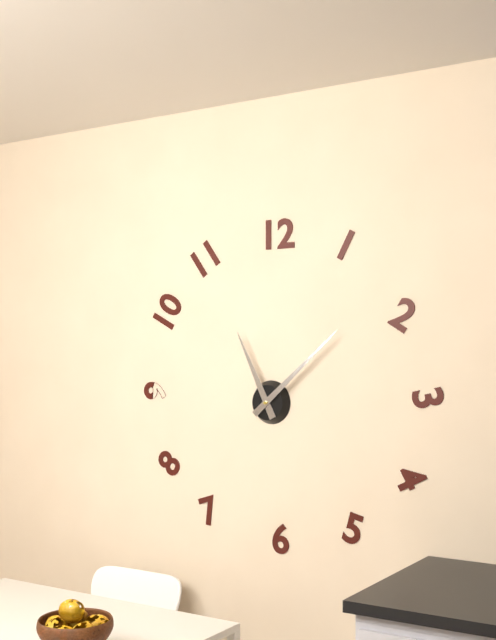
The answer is 11:08
